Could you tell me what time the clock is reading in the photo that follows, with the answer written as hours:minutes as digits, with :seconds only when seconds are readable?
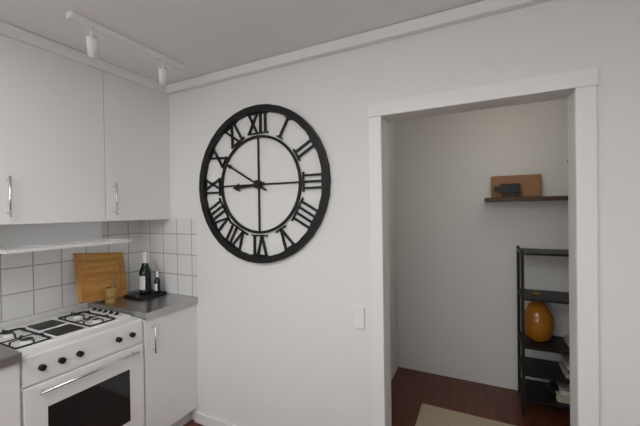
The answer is 8:50
